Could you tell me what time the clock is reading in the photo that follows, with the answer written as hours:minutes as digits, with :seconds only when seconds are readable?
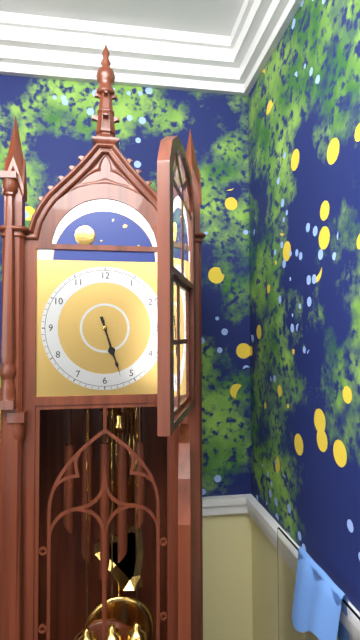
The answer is 5:27
